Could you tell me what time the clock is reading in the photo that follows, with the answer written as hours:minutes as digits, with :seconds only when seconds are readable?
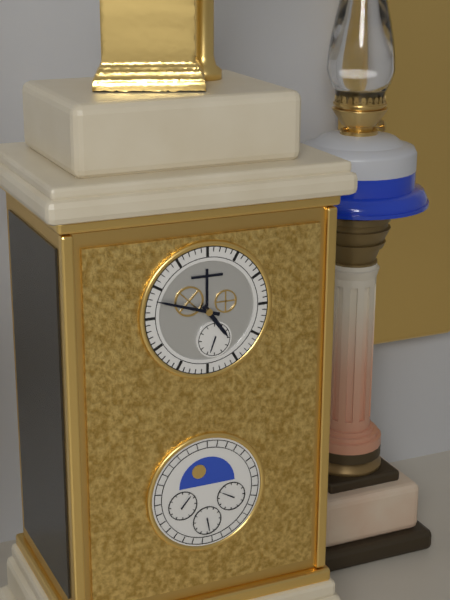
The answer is 4:48
